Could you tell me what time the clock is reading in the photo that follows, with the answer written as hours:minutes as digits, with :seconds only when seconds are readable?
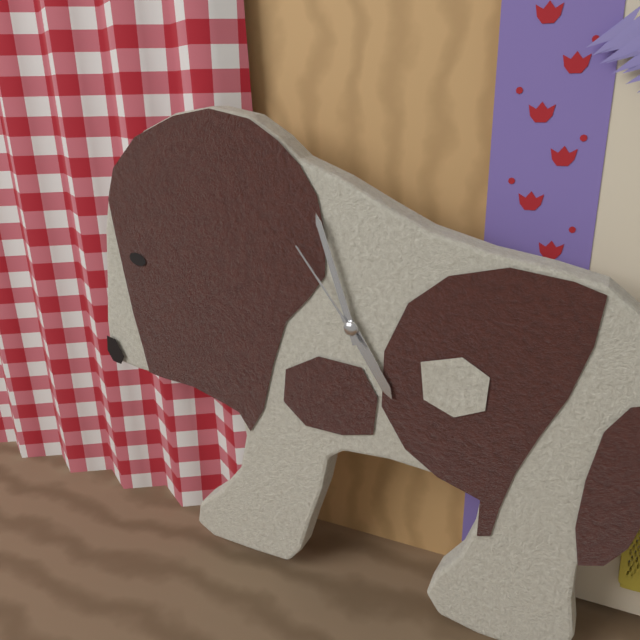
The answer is 4:57:54
